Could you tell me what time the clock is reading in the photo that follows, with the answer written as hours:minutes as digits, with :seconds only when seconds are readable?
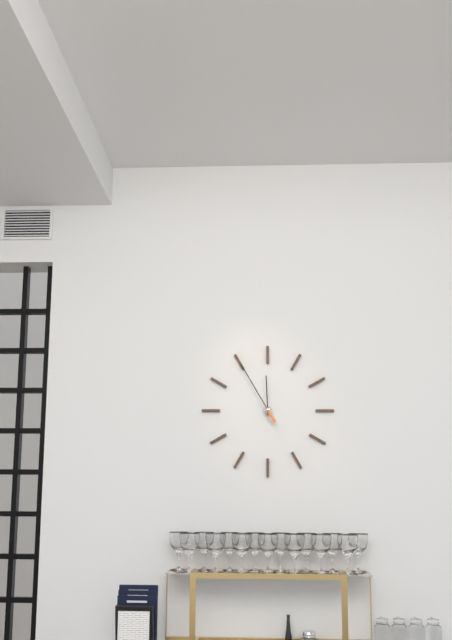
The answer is 11:55
